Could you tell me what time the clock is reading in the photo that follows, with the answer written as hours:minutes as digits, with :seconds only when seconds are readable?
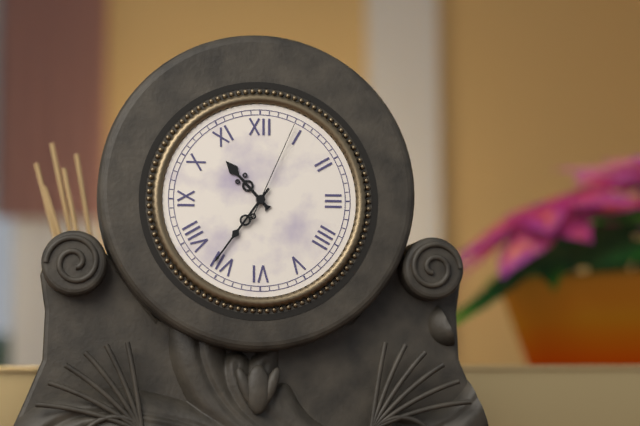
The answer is 10:36:04
